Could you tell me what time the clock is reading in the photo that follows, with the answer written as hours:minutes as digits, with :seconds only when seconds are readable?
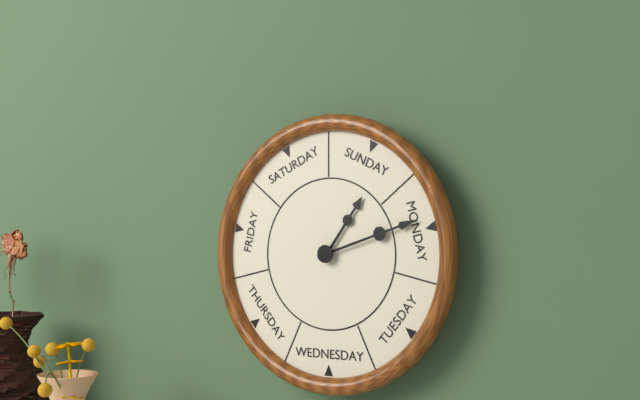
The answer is 1:12
